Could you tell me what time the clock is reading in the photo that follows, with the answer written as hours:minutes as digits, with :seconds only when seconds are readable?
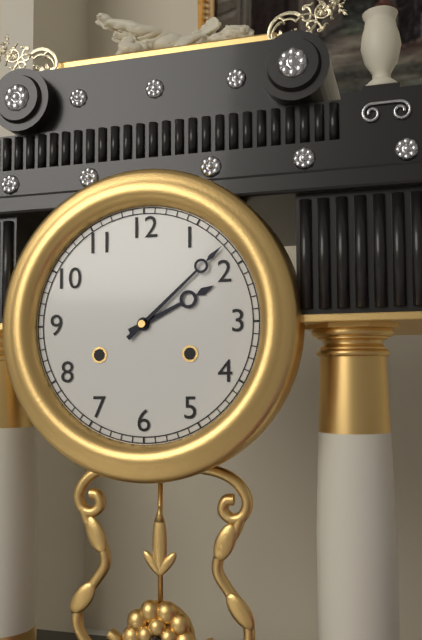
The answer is 2:08
